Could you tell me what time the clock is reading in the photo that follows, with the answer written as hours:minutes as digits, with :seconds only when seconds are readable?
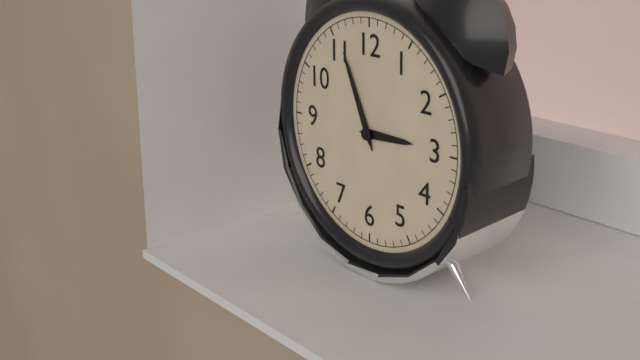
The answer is 2:56
